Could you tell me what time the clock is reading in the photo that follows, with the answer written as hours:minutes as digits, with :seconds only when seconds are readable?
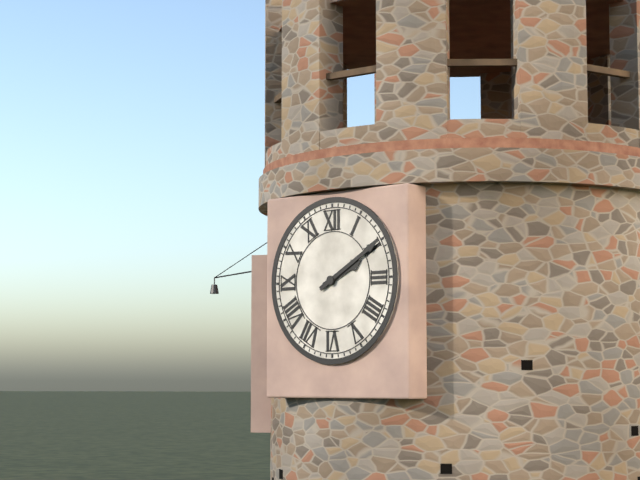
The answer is 2:10
